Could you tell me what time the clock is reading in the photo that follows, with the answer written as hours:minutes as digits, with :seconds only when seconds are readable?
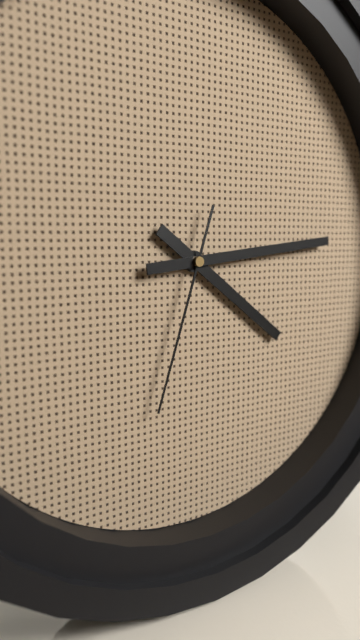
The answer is 4:14:33
